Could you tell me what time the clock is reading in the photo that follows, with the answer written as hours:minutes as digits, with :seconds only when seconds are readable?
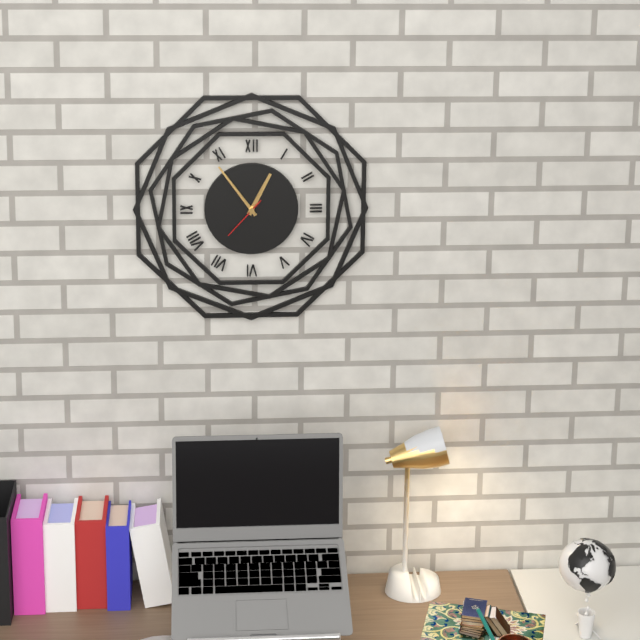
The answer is 12:54
